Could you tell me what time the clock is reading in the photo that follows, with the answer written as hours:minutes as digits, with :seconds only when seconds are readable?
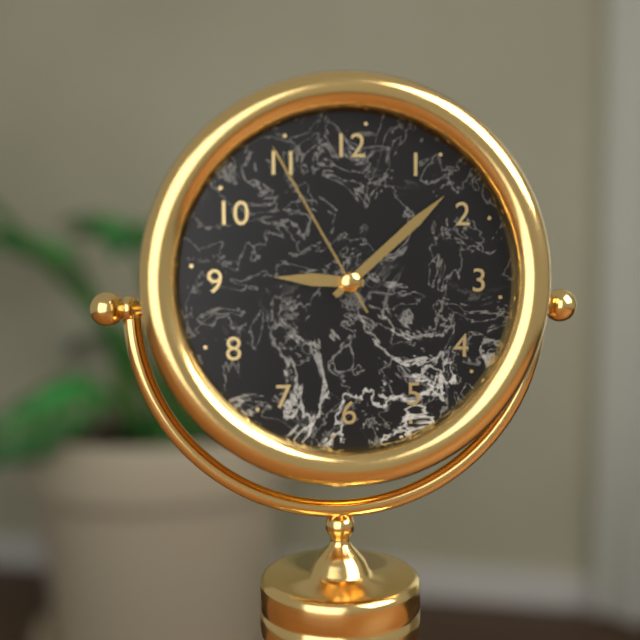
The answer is 9:08:55
